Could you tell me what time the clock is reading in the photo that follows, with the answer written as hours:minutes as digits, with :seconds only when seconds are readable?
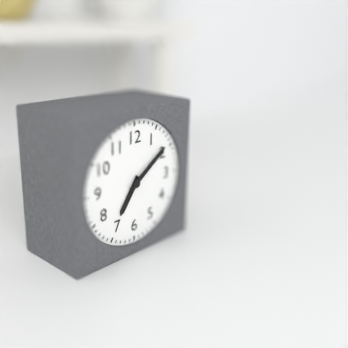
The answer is 7:09
